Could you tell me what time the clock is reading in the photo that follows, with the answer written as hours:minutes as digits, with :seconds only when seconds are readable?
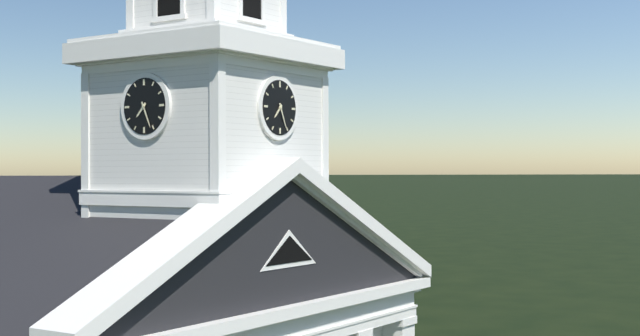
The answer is 7:26
